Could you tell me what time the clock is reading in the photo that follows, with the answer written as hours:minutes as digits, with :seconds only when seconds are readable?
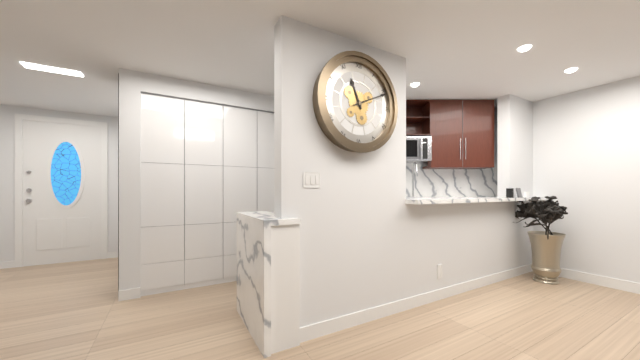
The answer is 11:11
